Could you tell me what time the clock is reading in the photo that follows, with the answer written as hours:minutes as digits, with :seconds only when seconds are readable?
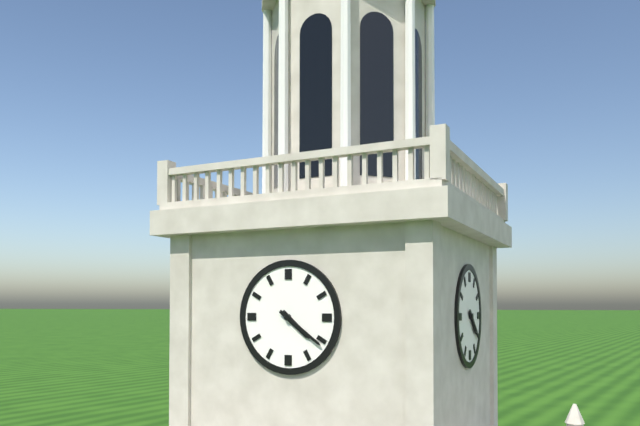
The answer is 4:21
